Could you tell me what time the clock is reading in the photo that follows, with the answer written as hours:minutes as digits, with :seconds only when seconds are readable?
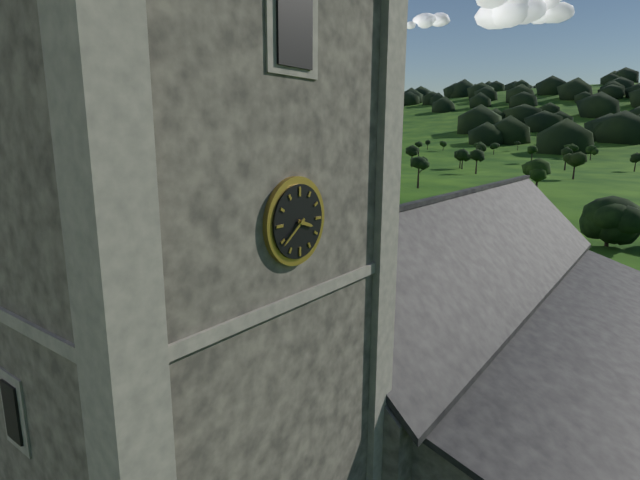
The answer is 3:39
